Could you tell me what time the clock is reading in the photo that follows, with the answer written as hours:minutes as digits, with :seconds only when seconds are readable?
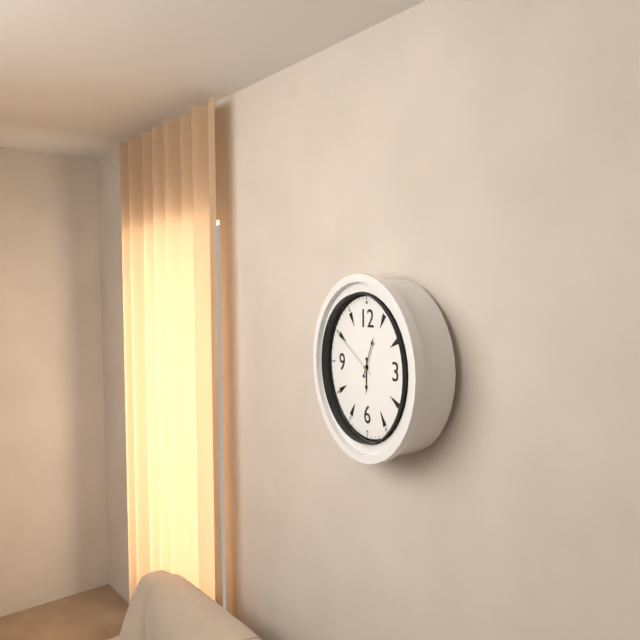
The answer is 6:04:50
